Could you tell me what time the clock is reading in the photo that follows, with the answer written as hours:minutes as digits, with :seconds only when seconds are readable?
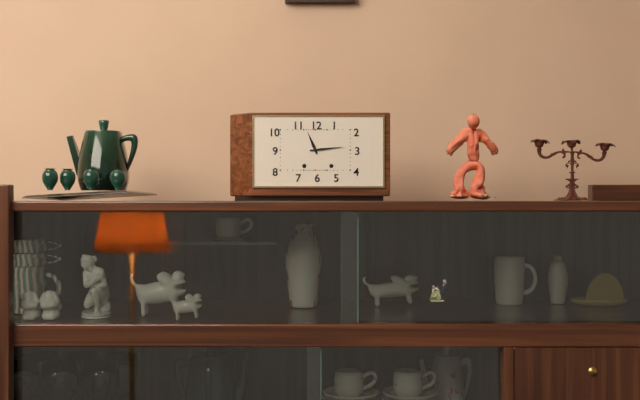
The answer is 11:14
